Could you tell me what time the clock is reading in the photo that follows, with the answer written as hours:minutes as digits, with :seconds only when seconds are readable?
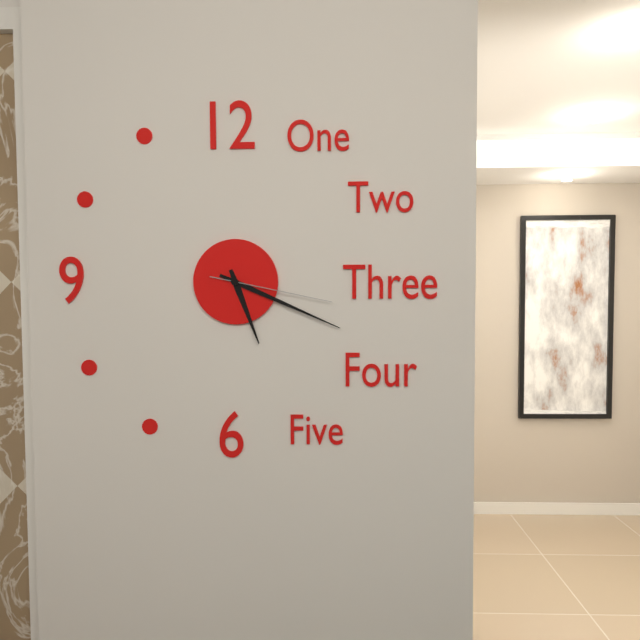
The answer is 5:19:17
